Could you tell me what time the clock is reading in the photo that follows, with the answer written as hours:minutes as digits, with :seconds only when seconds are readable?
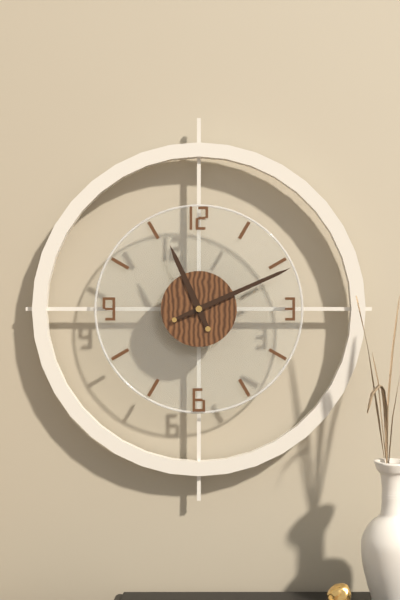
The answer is 11:11
